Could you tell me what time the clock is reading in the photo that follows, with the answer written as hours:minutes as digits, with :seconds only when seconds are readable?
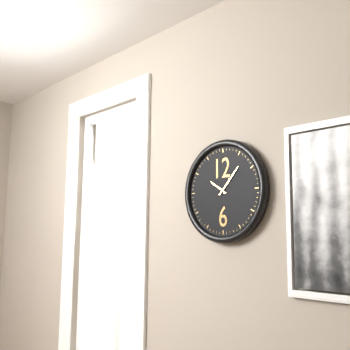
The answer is 10:07
